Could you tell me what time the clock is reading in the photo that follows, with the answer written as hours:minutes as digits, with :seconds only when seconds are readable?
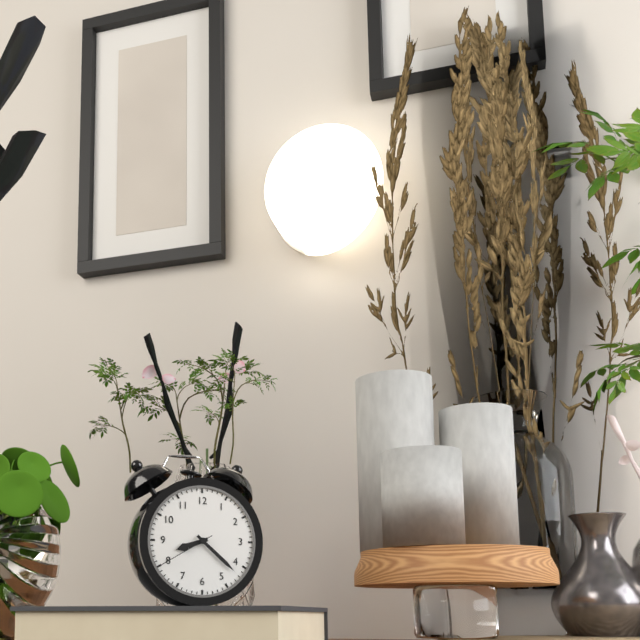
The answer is 8:22:40
